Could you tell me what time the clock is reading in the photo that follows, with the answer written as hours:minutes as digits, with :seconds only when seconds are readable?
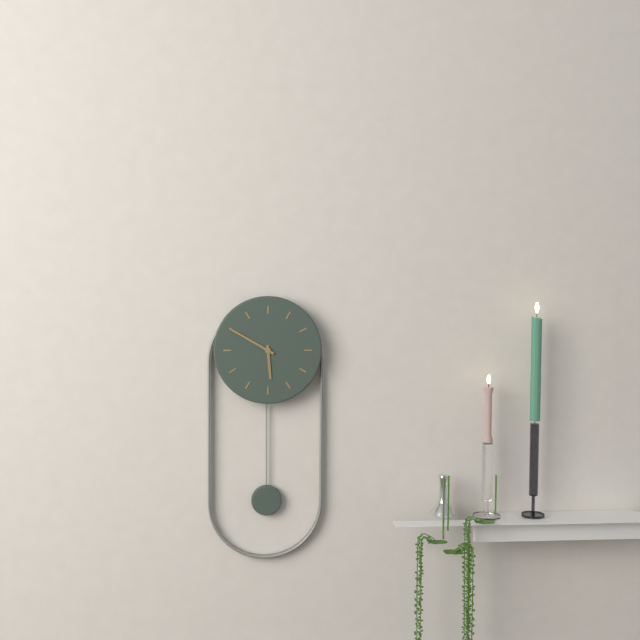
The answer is 5:50
